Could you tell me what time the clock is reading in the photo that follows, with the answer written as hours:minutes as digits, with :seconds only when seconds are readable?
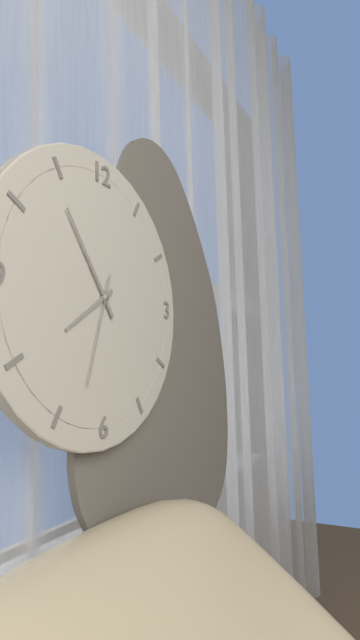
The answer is 7:54:33
